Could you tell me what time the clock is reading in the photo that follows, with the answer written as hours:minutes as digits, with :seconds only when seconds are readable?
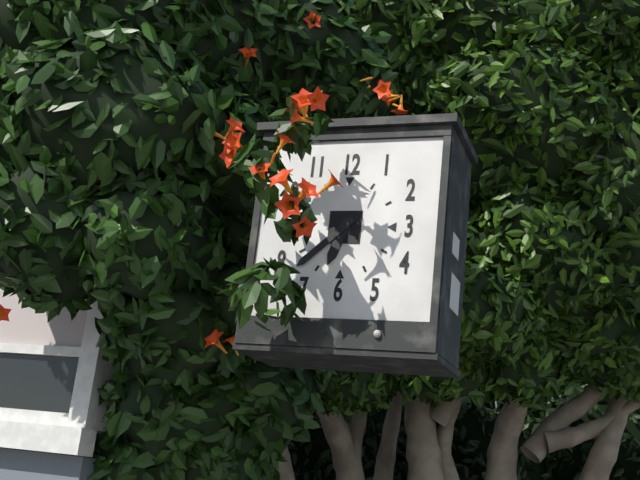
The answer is 6:38
